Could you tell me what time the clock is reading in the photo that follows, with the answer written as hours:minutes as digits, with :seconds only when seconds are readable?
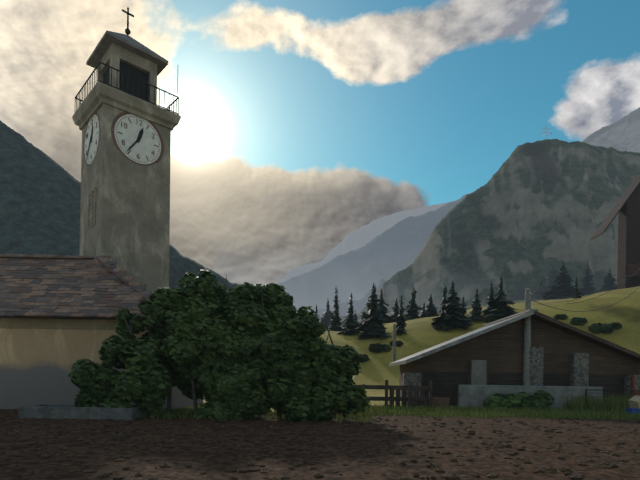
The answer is 12:36
